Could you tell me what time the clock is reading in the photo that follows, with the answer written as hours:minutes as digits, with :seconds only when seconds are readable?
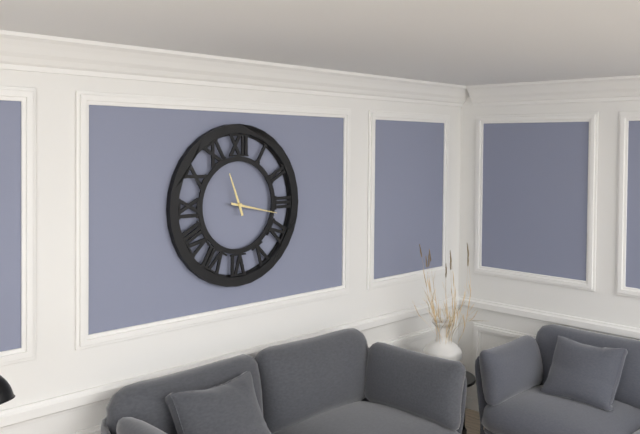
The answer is 11:17
